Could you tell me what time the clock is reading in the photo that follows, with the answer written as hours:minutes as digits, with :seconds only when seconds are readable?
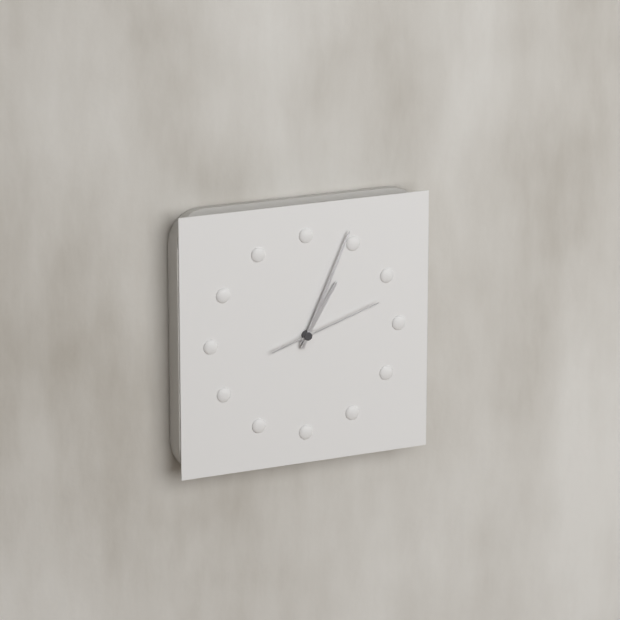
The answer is 1:04:12
